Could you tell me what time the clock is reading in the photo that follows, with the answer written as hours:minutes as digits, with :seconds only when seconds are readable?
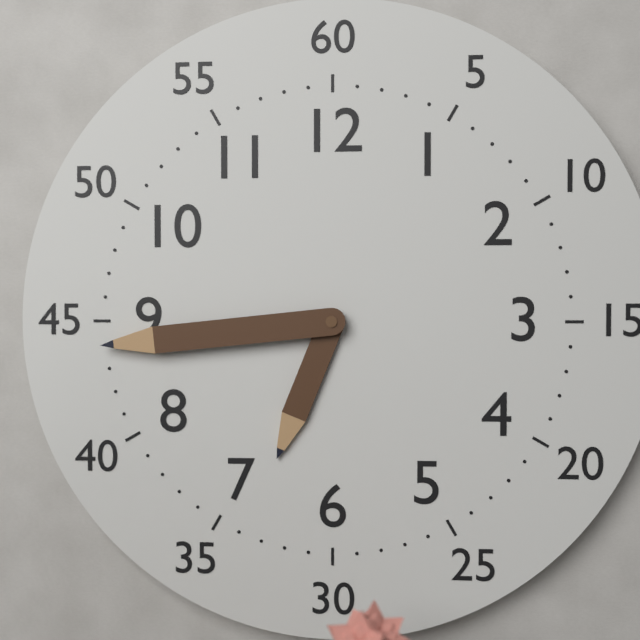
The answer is 6:44
